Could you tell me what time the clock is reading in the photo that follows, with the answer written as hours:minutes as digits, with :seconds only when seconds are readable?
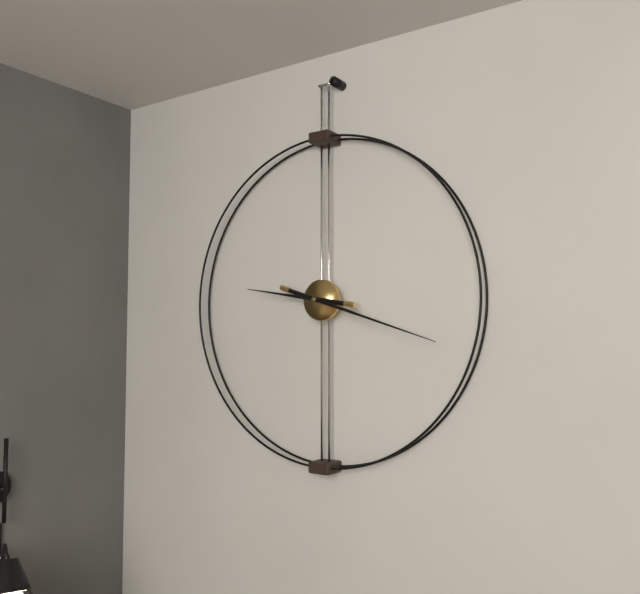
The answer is 9:18
